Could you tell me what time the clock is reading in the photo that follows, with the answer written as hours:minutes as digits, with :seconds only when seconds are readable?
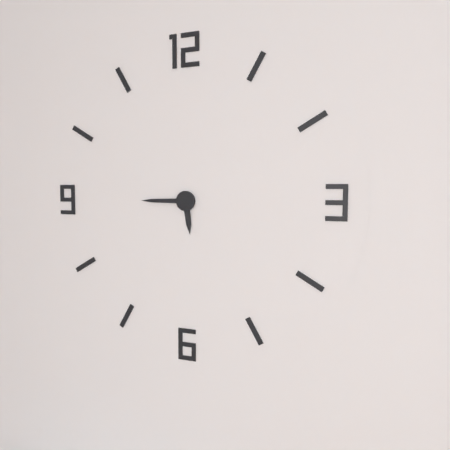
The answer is 5:45
